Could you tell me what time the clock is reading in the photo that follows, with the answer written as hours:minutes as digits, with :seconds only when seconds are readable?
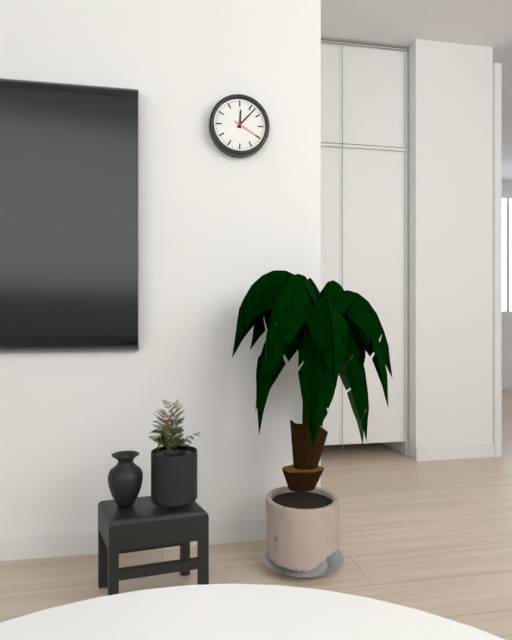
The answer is 12:07
